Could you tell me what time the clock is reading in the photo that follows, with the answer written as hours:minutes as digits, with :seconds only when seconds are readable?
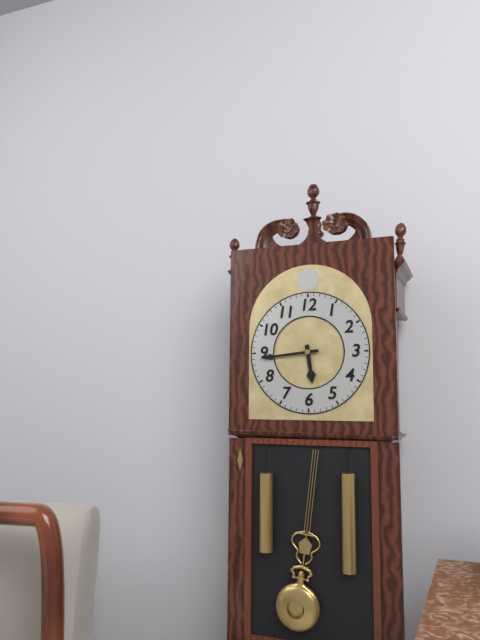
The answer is 5:44
